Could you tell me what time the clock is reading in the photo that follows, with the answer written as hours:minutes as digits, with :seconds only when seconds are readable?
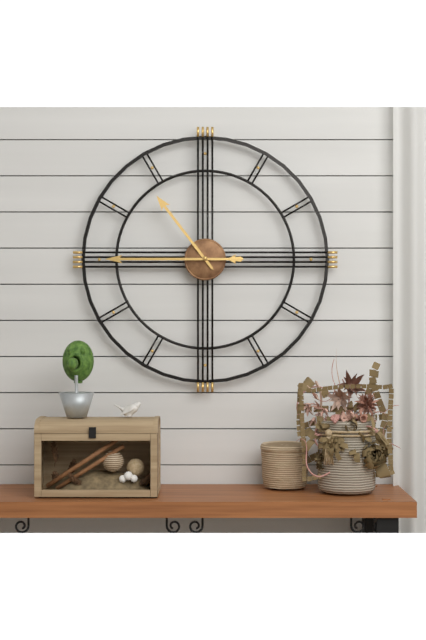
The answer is 10:45
